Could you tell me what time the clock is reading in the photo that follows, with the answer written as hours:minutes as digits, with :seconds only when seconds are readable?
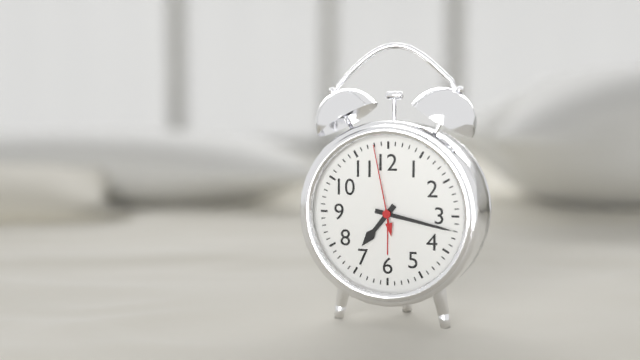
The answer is 7:17:58
